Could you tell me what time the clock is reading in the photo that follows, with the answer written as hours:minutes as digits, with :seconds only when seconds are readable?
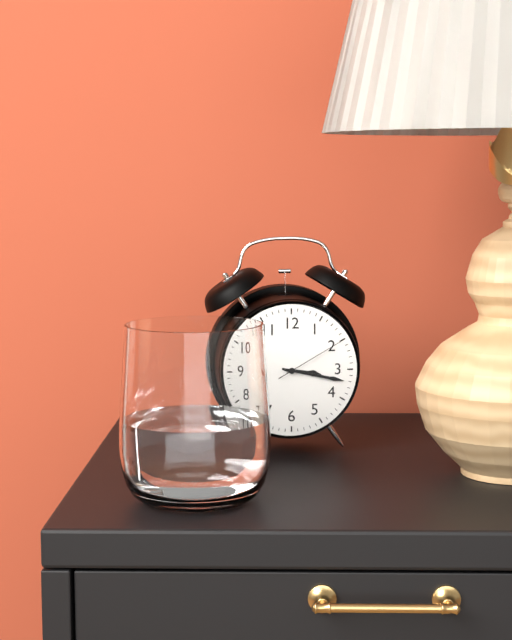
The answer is 3:17:10
